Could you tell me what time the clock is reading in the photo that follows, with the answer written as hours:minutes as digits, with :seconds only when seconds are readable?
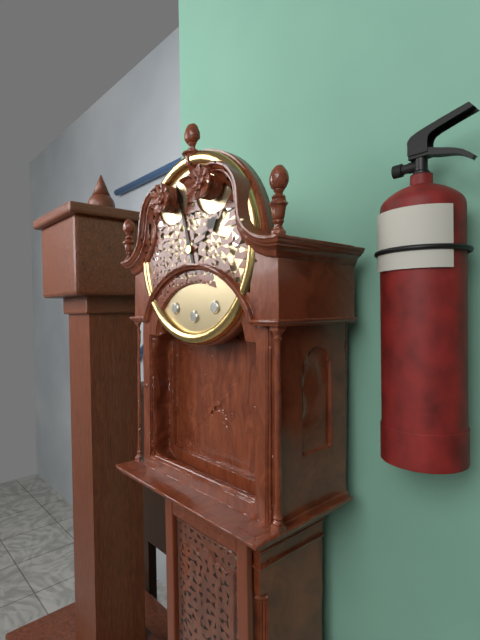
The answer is 1:57
